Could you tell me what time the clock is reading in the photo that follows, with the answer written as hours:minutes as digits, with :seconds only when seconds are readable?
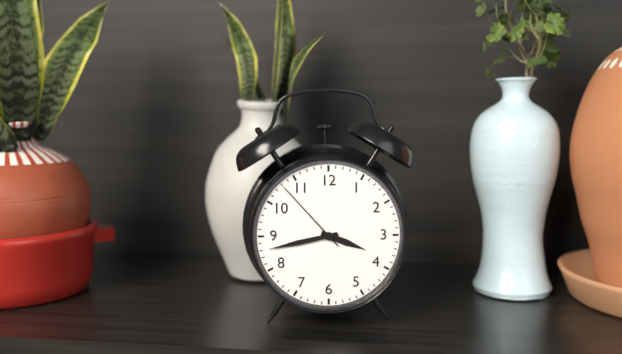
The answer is 3:43:53
